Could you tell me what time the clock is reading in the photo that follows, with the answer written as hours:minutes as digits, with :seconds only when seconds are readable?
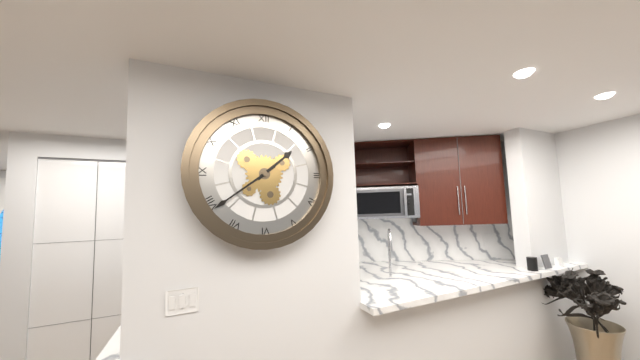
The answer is 1:39
